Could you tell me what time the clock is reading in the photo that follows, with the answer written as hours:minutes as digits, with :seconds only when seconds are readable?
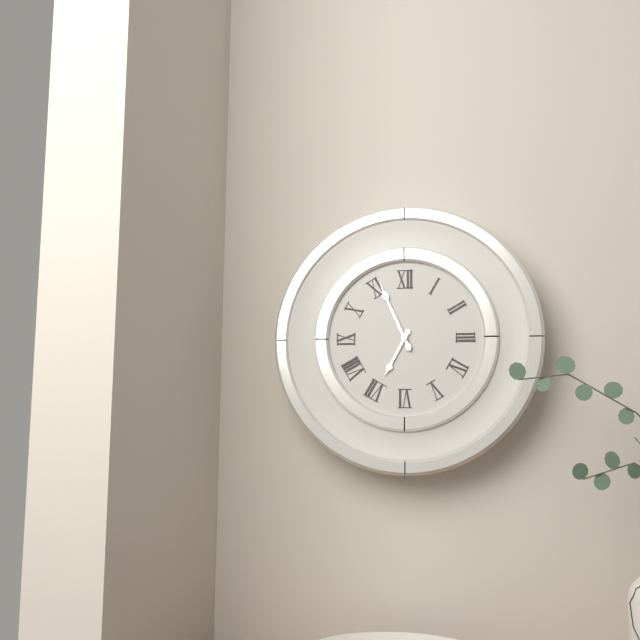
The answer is 6:56
